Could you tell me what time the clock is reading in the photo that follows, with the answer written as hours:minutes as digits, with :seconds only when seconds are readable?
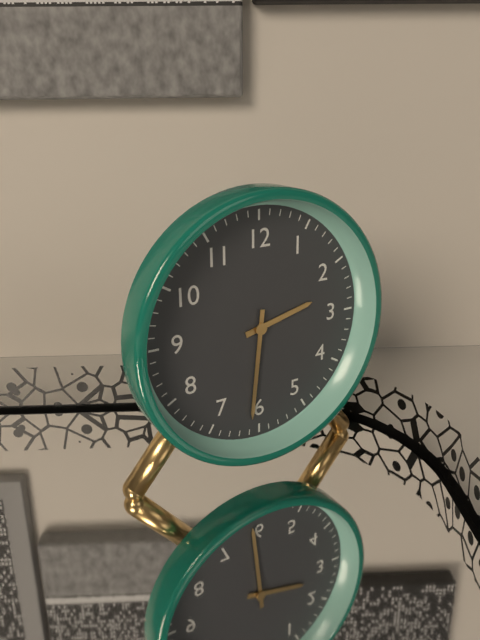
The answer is 2:31
